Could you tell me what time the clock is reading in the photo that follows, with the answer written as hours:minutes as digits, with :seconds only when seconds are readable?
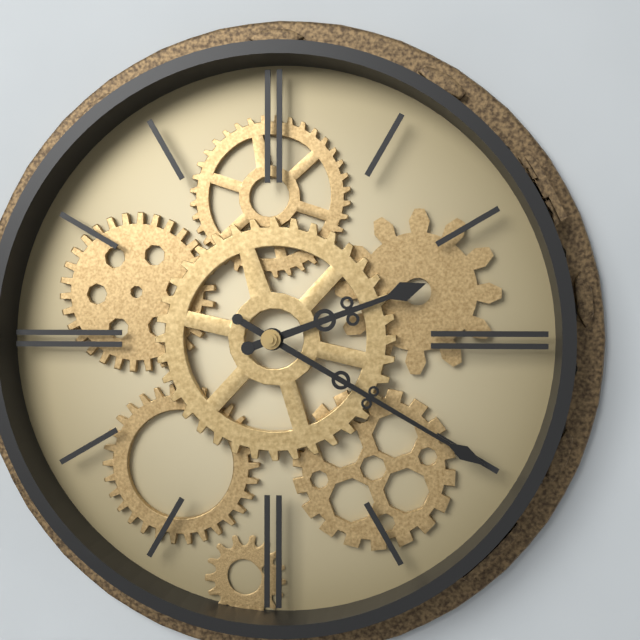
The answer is 2:20
